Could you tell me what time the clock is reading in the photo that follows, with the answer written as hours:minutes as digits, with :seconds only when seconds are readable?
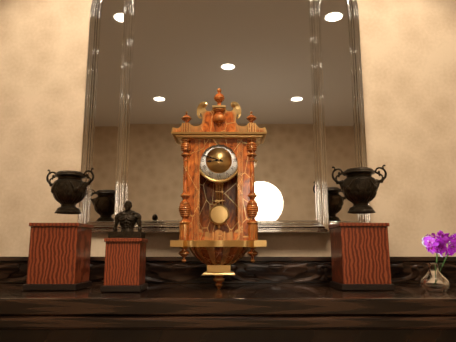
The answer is 8:48
